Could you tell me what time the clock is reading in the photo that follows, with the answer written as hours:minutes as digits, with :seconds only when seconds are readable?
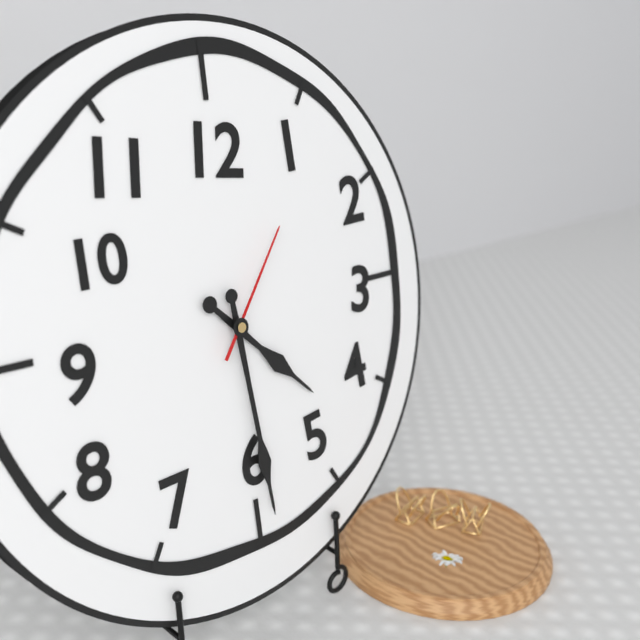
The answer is 4:29:06
